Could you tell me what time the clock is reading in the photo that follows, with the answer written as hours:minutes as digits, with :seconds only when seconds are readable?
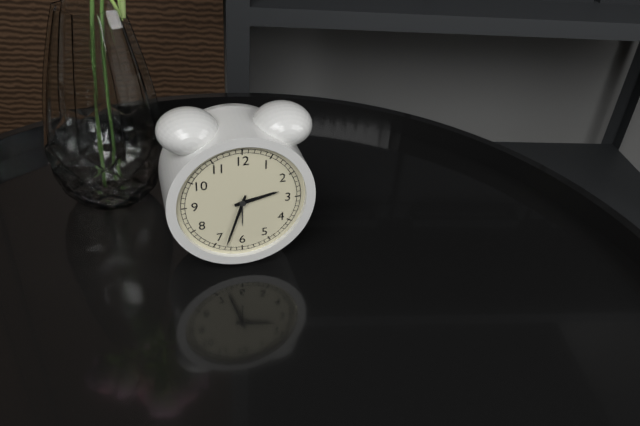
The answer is 2:33
